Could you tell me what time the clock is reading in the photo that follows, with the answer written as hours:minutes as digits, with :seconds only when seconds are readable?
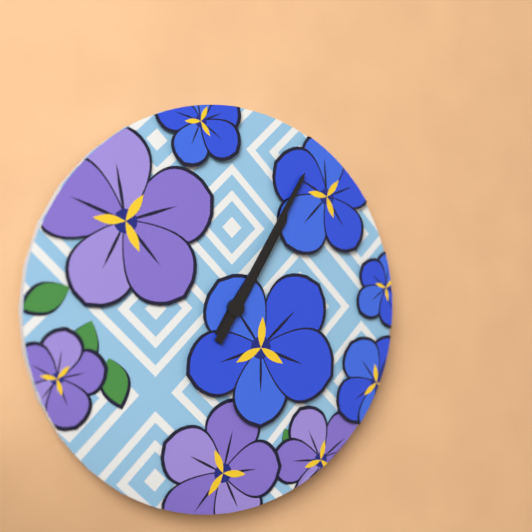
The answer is 1:05
